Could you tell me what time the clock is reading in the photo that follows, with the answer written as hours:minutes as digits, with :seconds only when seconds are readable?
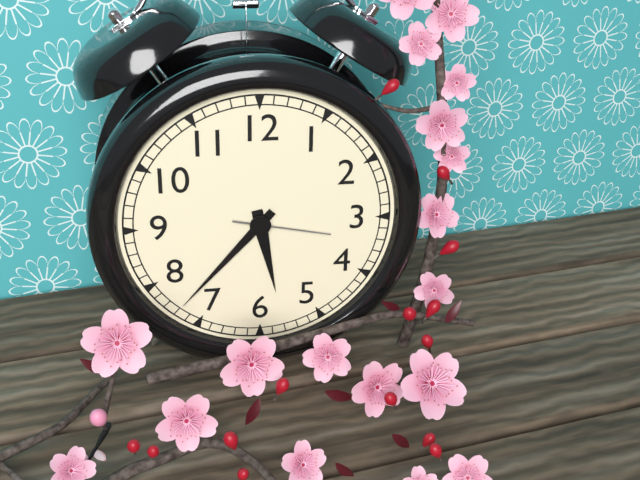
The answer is 5:37:17
